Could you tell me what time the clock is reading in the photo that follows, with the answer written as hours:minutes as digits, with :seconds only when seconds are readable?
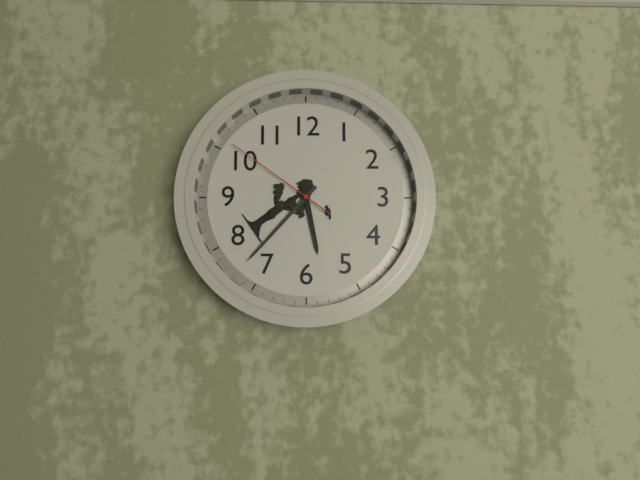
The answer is 5:37:51
